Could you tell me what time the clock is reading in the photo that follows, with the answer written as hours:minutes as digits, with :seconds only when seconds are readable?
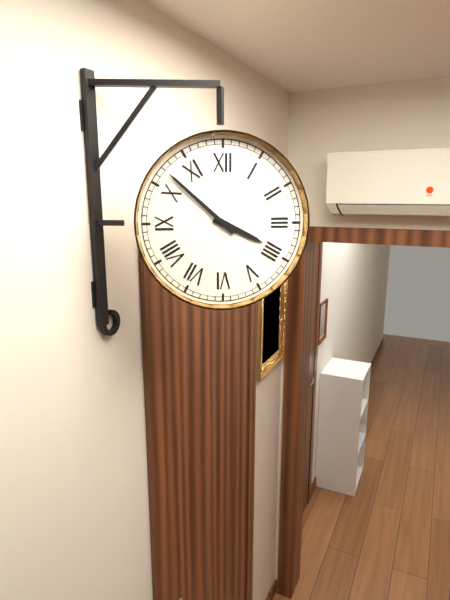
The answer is 3:52
